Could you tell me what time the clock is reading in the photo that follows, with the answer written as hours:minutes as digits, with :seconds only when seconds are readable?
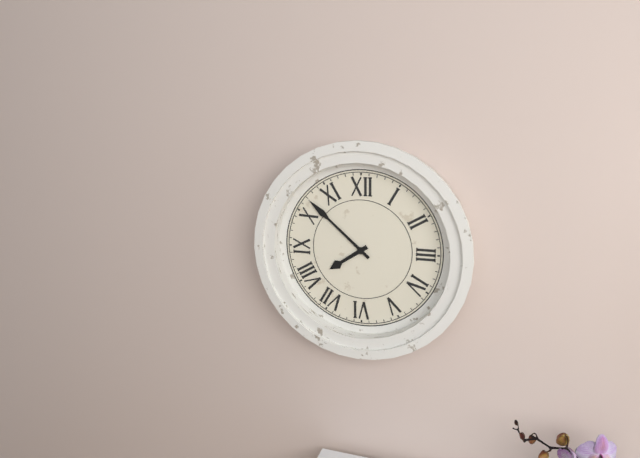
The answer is 7:52
